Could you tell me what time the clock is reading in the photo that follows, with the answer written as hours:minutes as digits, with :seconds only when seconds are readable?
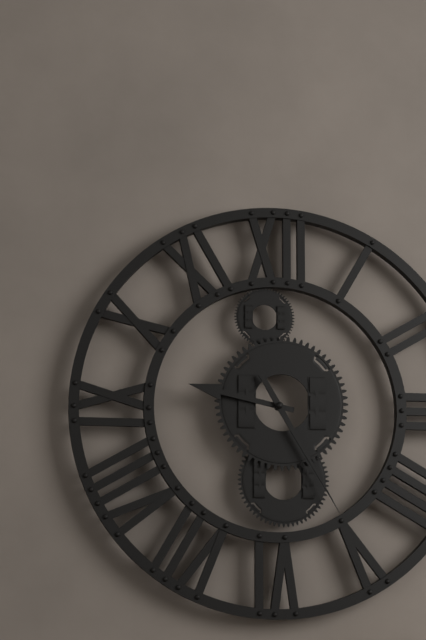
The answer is 9:25
